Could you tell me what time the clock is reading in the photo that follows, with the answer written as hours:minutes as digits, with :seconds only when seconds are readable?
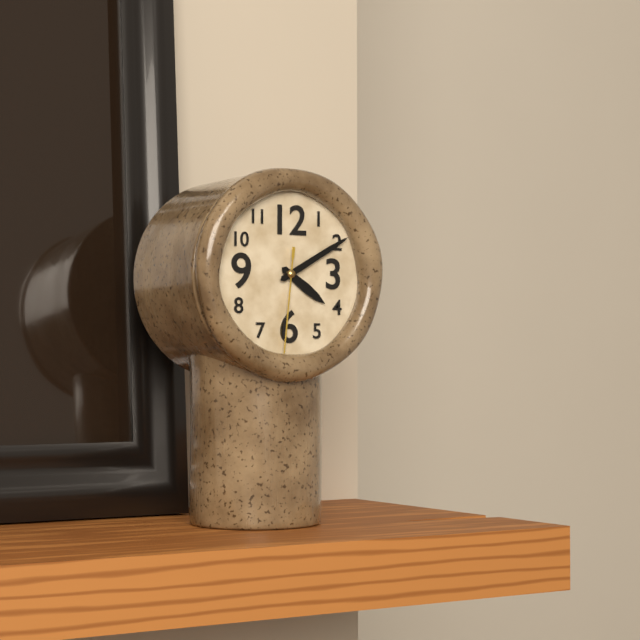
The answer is 4:10:31
